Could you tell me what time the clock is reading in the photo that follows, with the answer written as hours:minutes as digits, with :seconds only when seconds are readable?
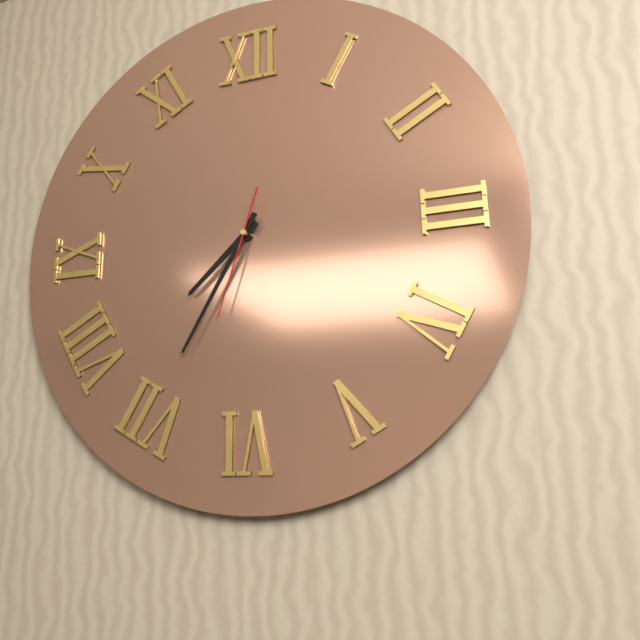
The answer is 7:35:33
